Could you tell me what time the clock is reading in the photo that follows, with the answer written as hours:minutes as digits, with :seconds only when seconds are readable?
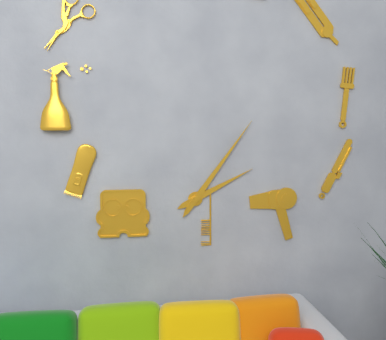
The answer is 2:06
